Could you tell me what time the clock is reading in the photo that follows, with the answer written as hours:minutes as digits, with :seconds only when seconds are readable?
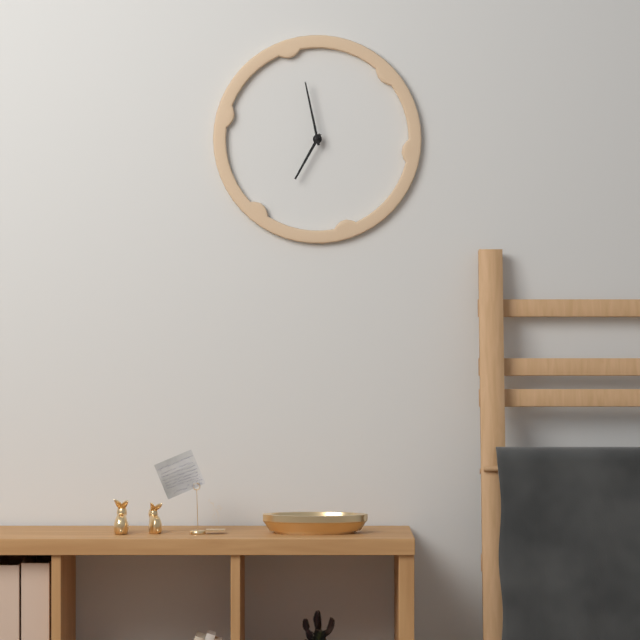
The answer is 6:58
